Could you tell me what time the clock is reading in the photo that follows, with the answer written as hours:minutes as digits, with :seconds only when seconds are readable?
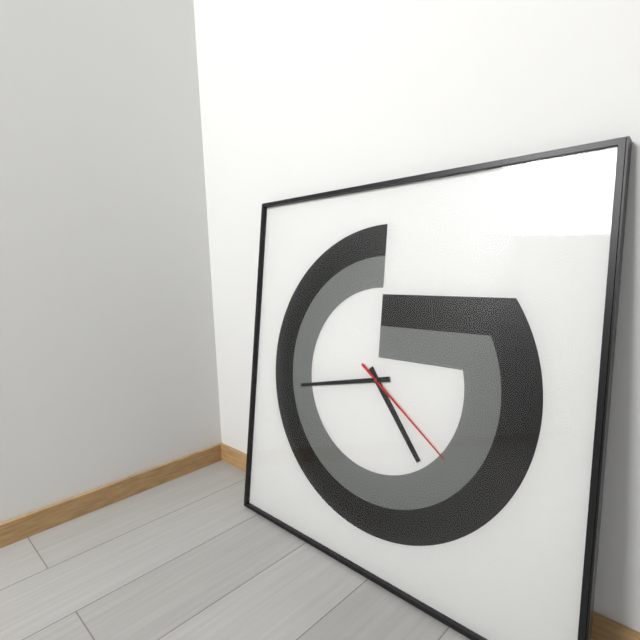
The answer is 4:43:21
